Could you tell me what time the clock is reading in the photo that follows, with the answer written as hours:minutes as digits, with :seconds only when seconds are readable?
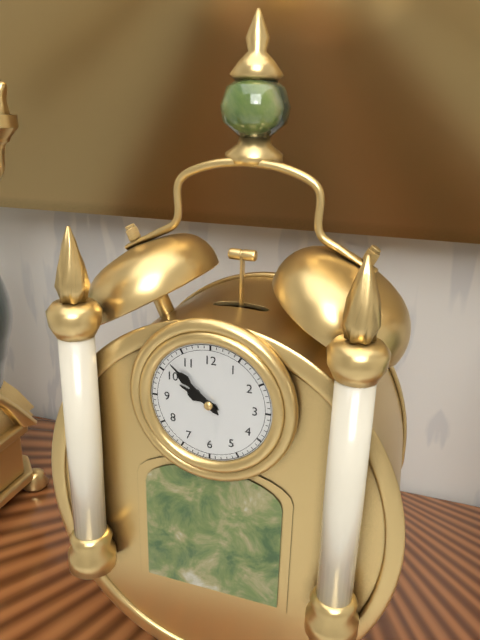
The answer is 9:52
